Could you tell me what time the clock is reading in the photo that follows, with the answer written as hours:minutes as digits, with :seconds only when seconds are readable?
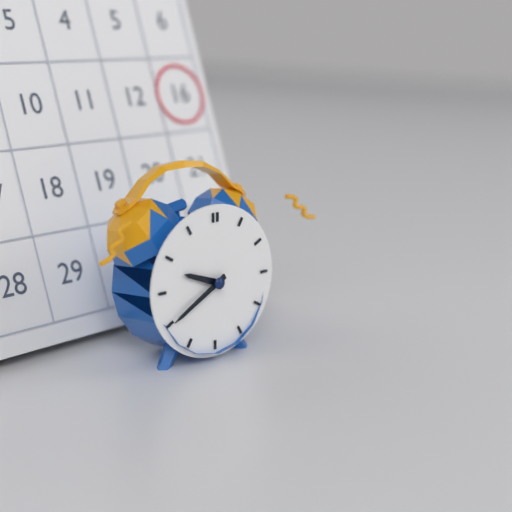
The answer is 9:40
